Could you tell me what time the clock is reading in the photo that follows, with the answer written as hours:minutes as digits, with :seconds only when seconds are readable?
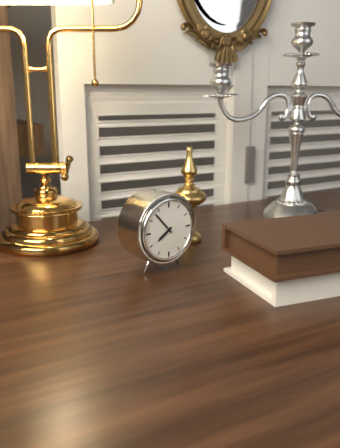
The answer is 7:53
